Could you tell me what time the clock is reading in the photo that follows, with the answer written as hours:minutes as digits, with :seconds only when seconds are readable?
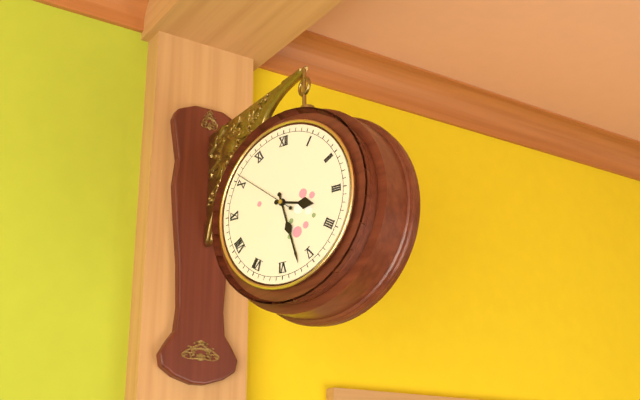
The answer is 3:27:51
